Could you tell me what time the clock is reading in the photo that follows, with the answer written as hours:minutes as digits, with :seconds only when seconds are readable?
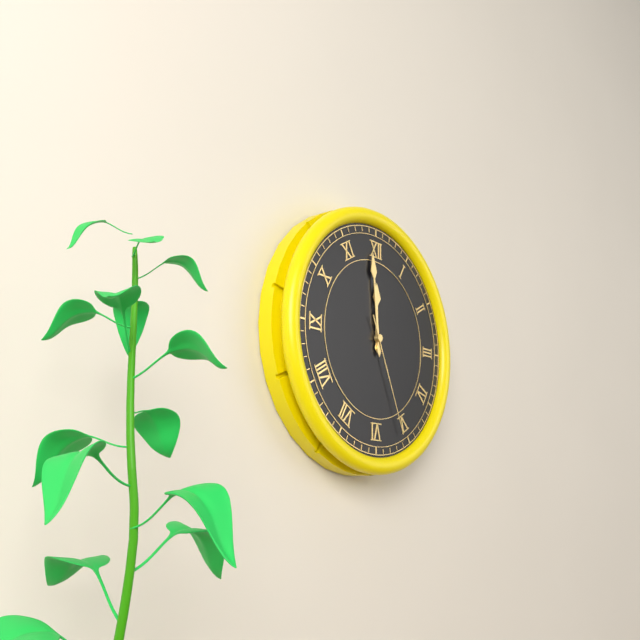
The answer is 11:59:26
